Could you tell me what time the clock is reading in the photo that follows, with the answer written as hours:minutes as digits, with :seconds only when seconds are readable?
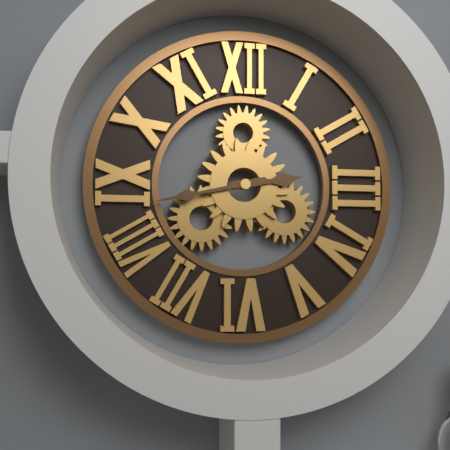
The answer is 2:43
